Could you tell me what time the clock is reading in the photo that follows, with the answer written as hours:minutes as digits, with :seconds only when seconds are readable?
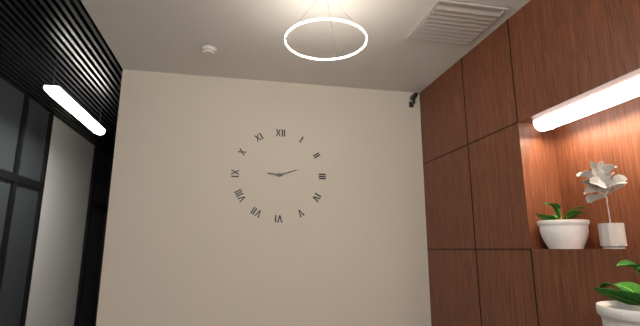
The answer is 9:12
